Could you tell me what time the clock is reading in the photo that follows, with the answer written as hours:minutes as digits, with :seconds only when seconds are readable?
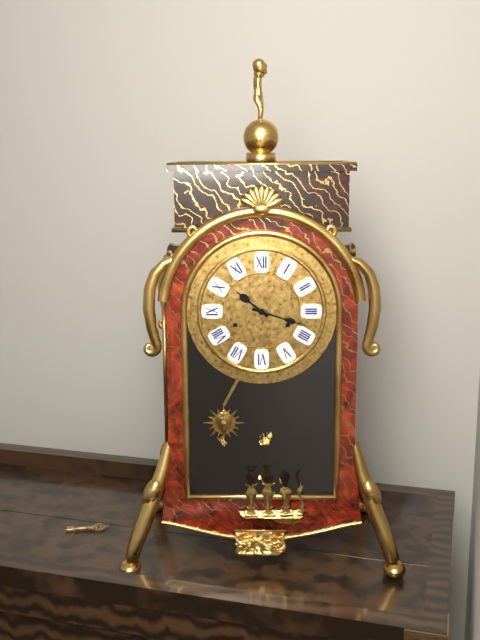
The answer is 10:18
